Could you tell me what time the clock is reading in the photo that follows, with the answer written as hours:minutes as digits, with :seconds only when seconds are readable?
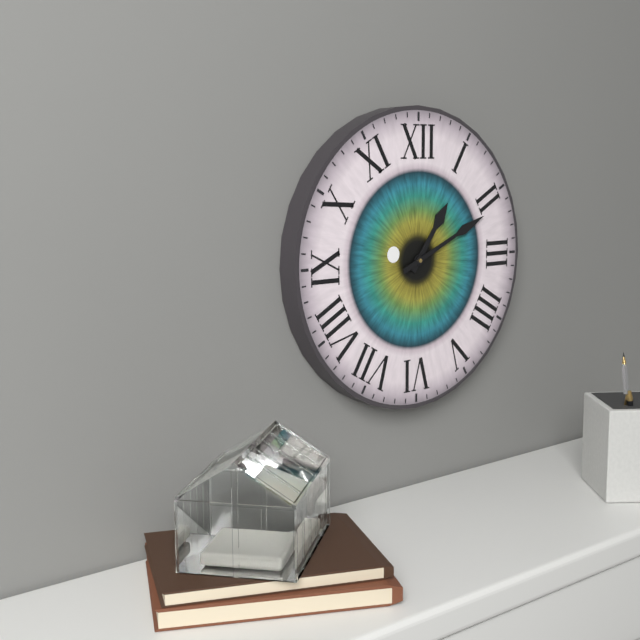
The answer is 1:11
